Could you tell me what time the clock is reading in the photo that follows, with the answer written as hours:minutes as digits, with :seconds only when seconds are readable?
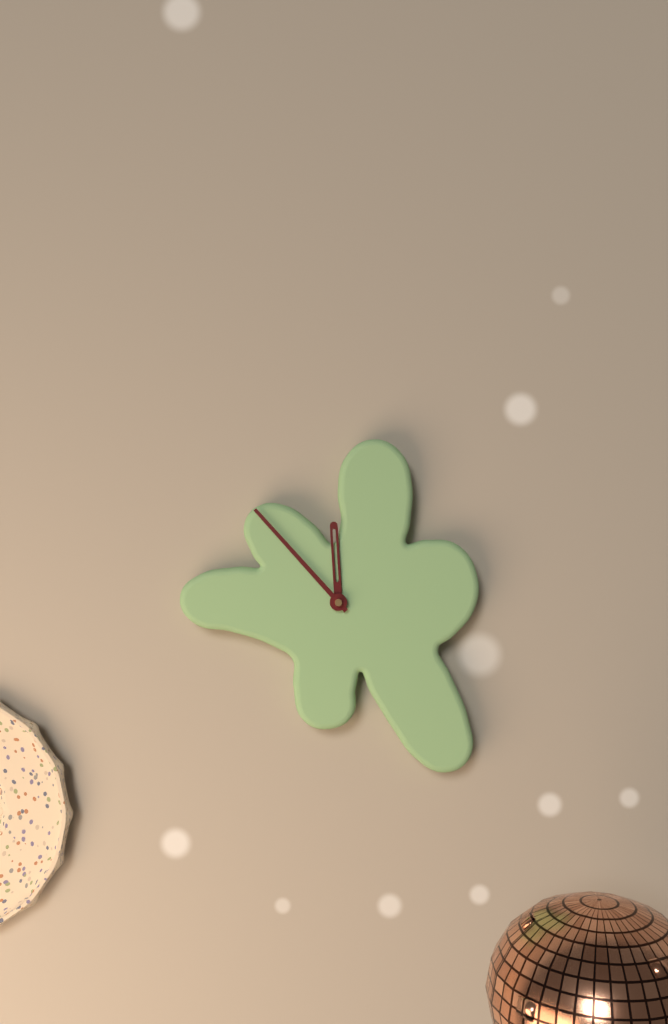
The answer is 11:53
